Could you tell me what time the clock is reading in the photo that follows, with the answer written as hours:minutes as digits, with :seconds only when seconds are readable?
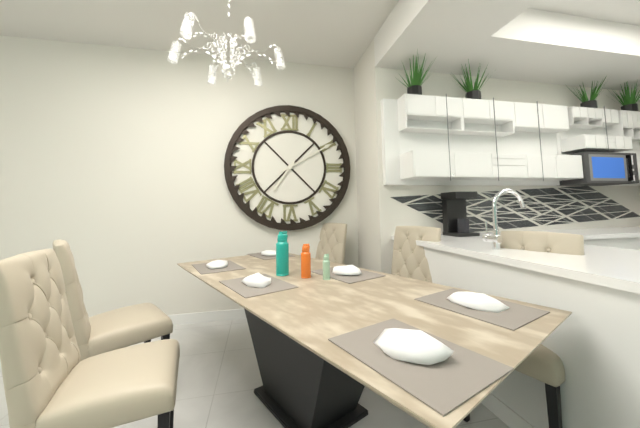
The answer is 7:10
